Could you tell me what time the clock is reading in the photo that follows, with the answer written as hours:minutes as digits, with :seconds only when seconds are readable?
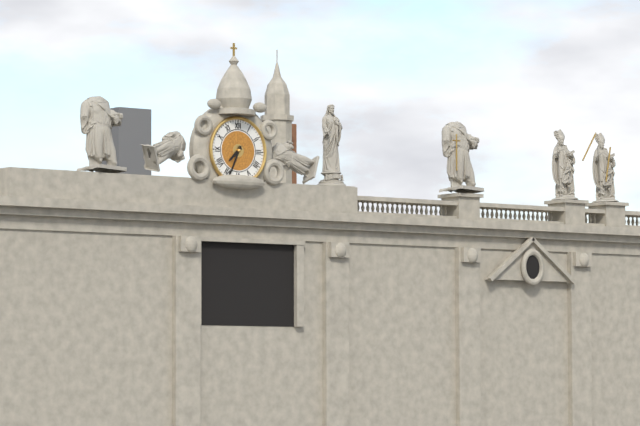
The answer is 7:34
